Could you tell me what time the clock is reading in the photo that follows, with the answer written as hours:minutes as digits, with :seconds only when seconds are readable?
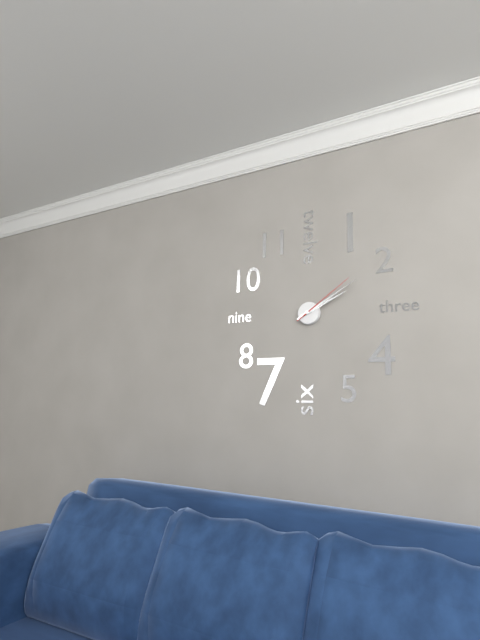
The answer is 2:10:09
